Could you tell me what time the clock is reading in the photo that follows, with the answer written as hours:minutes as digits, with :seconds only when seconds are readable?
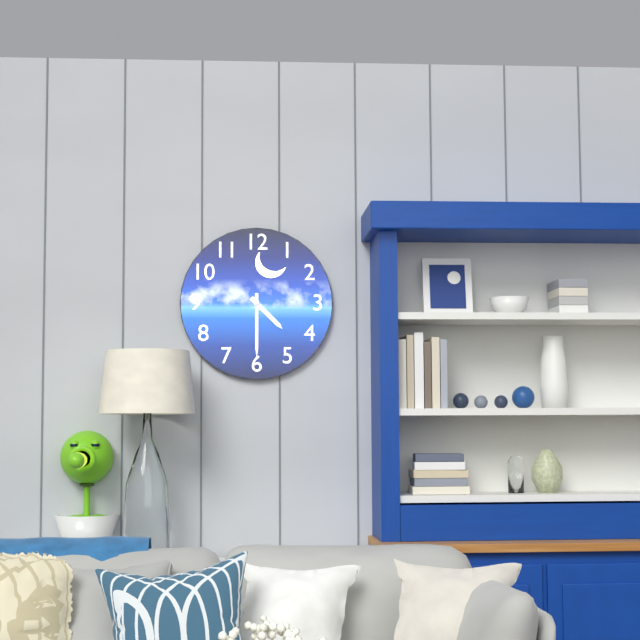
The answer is 4:30
